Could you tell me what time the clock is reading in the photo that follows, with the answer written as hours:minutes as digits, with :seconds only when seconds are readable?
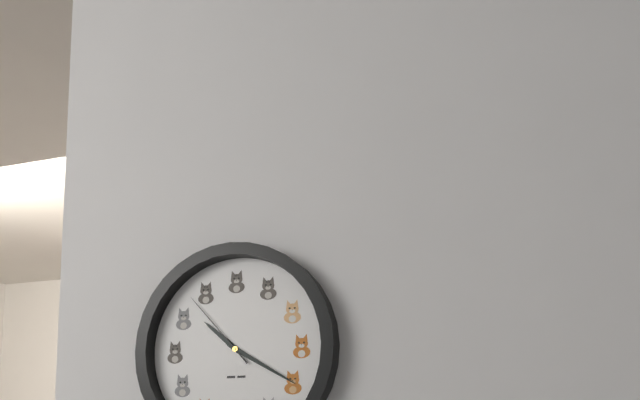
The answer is 10:20:53
